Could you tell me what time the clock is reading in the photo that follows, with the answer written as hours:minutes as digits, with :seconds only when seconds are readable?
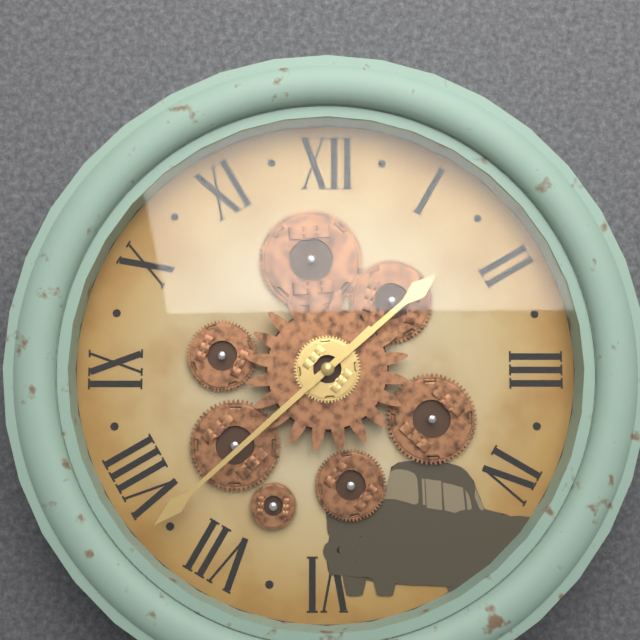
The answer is 1:38
